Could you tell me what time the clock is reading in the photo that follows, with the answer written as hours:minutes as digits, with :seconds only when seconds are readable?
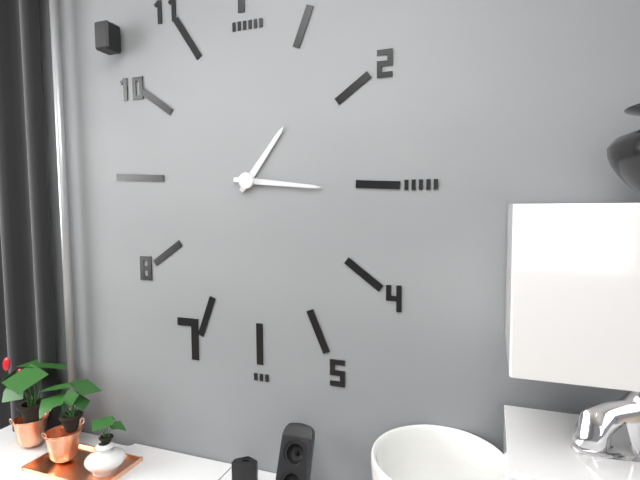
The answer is 1:16
